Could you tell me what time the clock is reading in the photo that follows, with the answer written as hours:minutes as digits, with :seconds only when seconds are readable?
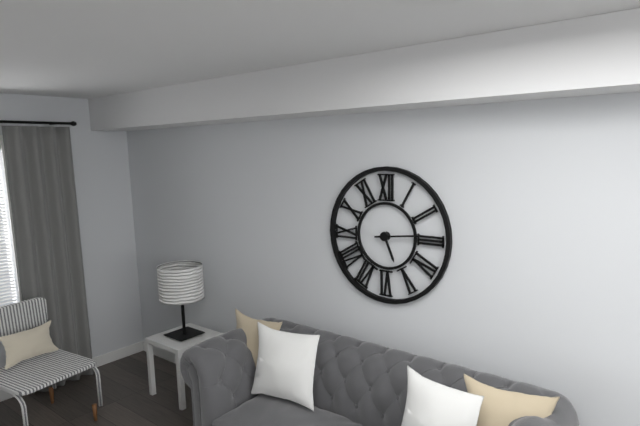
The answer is 5:14
